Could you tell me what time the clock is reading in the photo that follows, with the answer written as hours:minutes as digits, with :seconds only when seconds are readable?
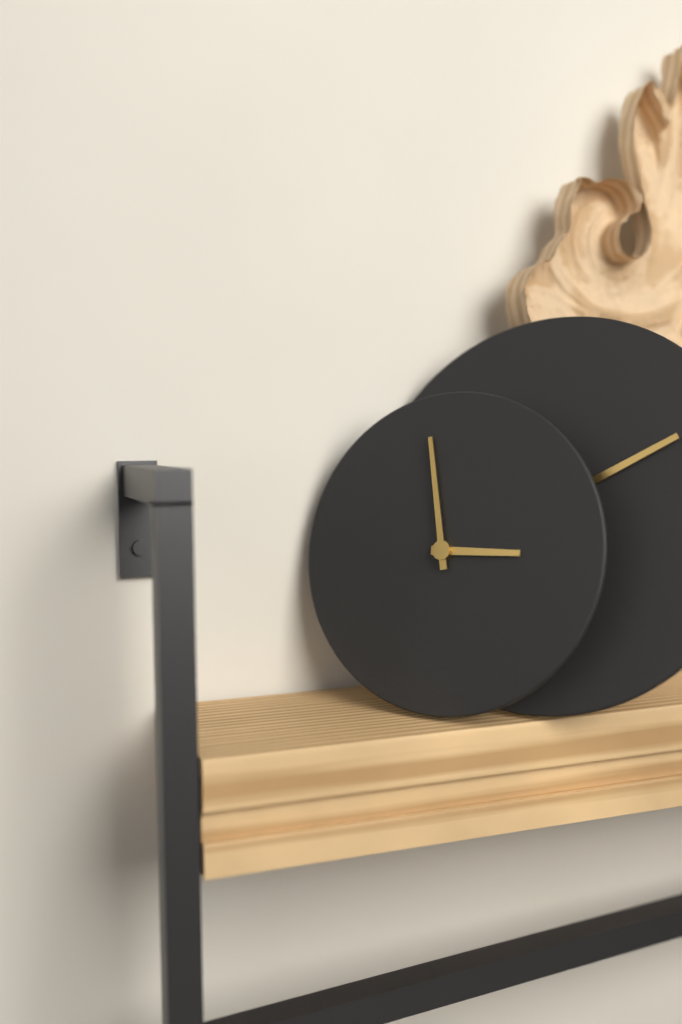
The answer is 2:58
